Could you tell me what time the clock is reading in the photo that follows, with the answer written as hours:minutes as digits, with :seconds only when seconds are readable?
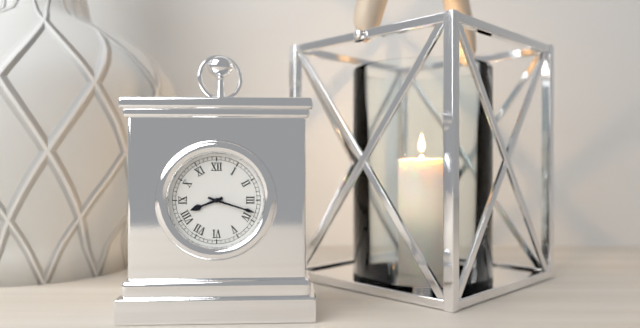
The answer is 8:18
